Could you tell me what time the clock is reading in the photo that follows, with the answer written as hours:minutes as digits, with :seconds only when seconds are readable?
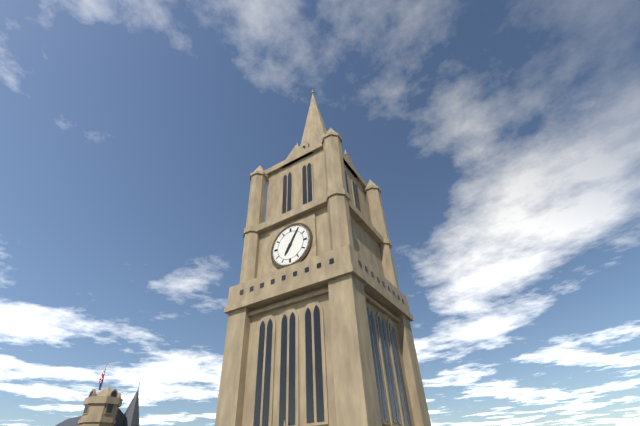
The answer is 7:05
